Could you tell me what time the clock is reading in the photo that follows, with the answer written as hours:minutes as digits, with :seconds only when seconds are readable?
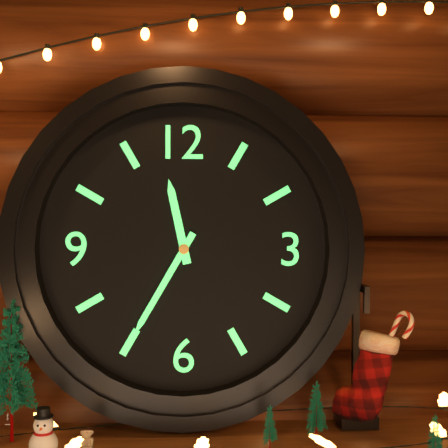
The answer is 11:35
